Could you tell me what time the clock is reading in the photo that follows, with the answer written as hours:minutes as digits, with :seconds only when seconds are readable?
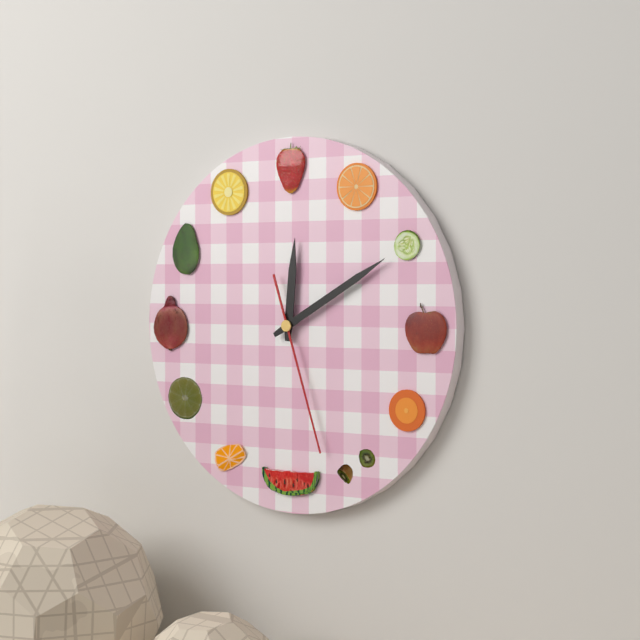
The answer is 12:10:27
